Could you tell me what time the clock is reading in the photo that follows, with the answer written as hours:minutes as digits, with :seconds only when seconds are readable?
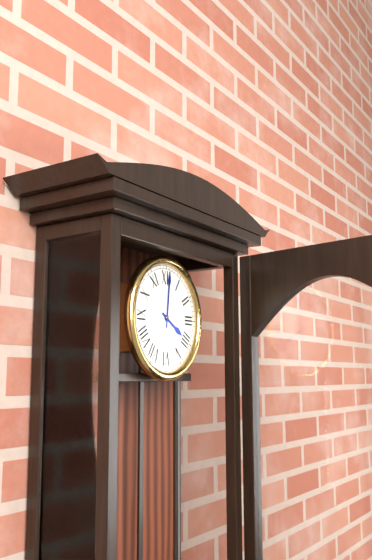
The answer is 4:01
